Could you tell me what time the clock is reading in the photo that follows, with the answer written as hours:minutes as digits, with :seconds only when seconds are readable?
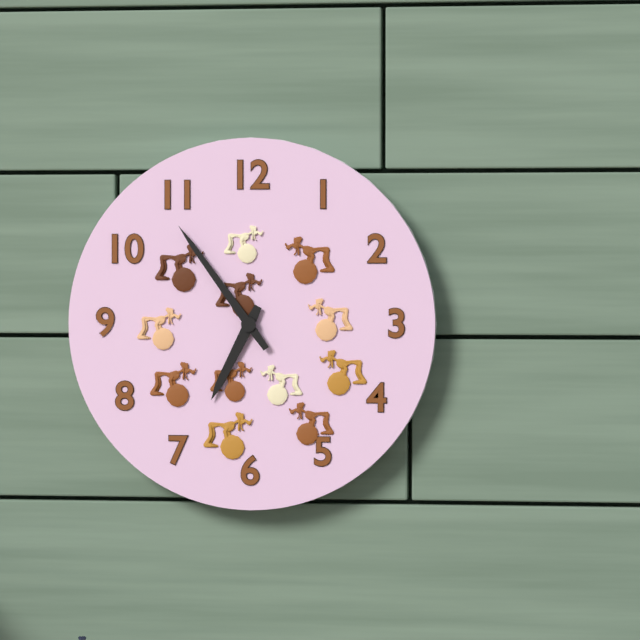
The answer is 6:54
